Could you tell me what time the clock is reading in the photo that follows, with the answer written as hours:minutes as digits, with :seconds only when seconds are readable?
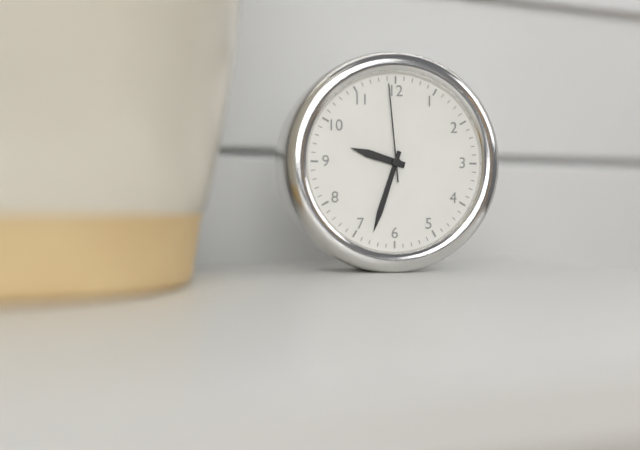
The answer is 9:33:59
